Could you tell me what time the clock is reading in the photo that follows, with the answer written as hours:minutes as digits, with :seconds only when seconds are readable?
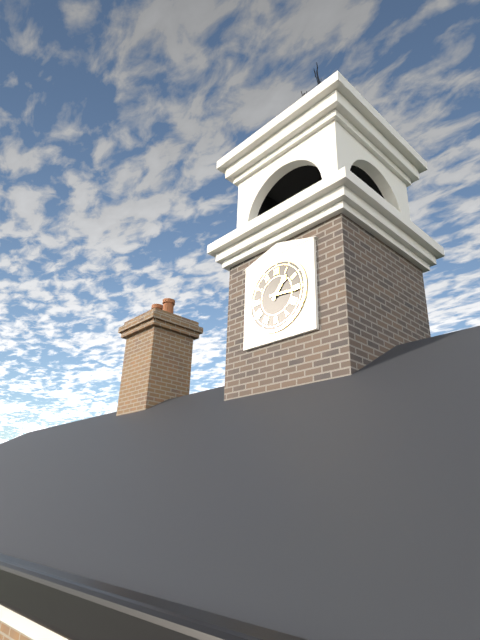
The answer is 1:16
